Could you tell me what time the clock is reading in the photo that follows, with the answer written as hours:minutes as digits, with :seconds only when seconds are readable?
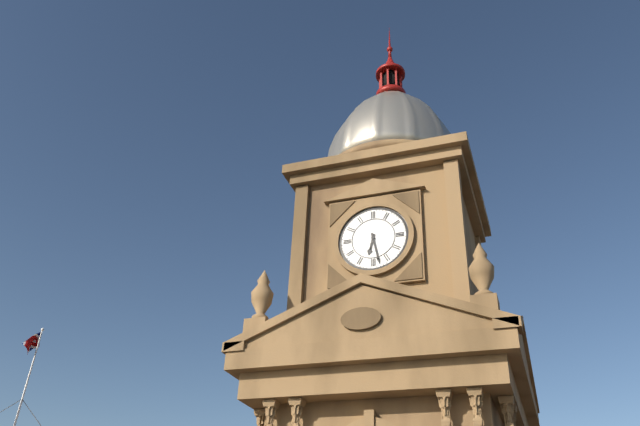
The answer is 6:28
